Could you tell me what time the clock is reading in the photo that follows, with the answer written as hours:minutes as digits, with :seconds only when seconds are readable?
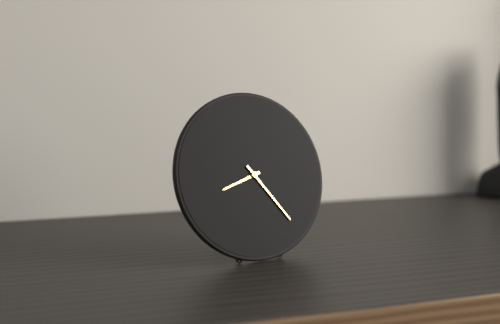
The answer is 8:24
